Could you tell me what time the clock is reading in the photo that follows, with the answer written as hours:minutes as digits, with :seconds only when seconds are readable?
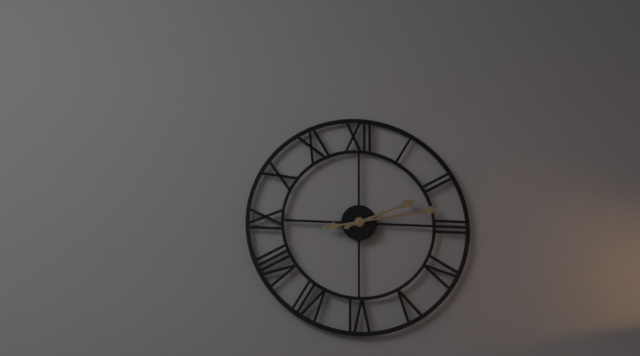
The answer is 2:13
